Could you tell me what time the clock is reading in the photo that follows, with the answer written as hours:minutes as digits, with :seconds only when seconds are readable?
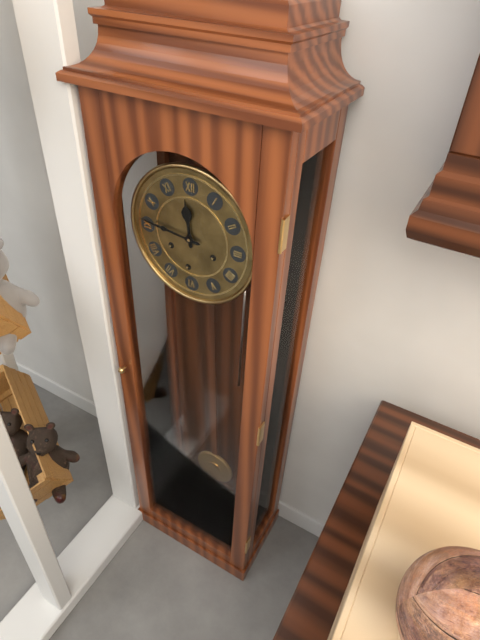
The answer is 11:46
